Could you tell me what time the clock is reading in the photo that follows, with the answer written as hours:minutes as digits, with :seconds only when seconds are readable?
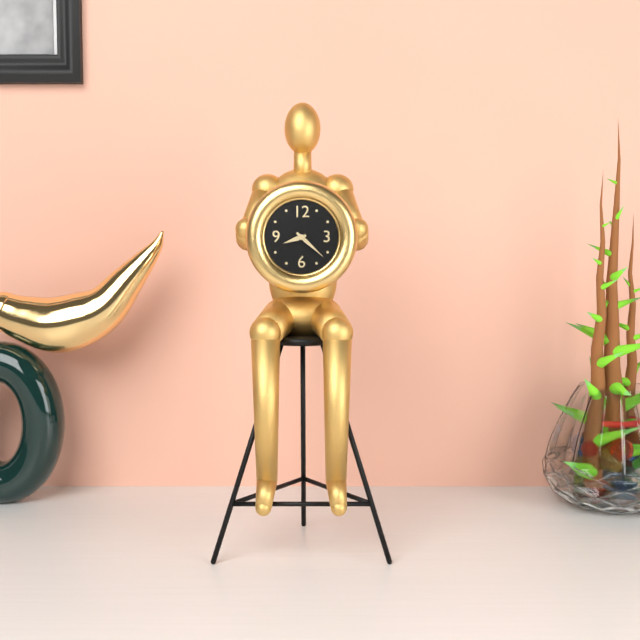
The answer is 8:22
